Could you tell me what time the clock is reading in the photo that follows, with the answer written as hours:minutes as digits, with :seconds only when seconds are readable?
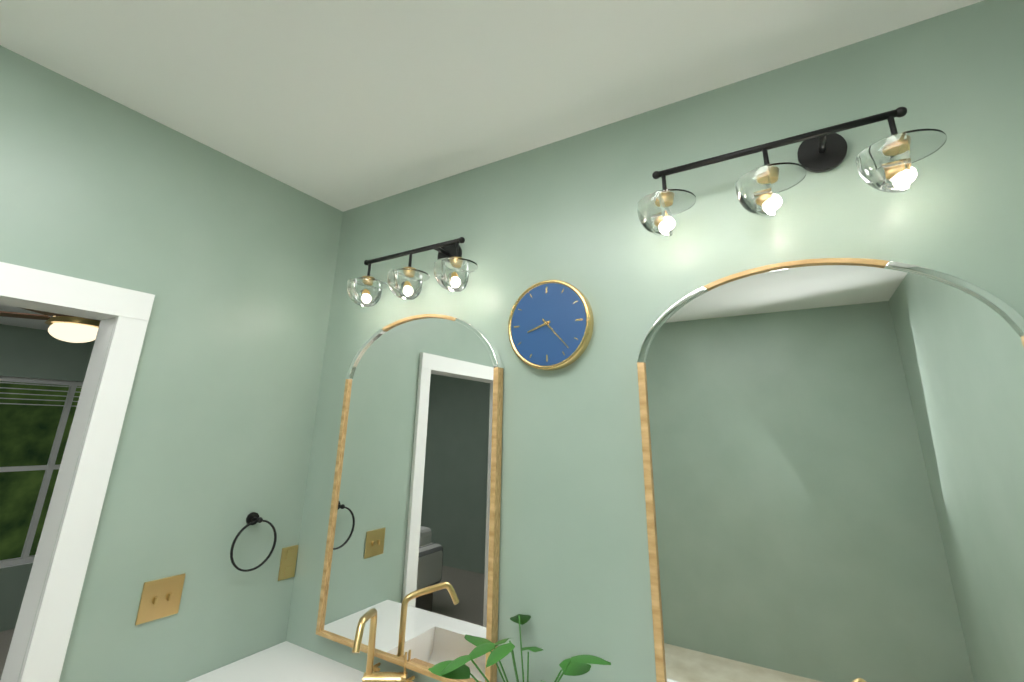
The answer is 8:23
